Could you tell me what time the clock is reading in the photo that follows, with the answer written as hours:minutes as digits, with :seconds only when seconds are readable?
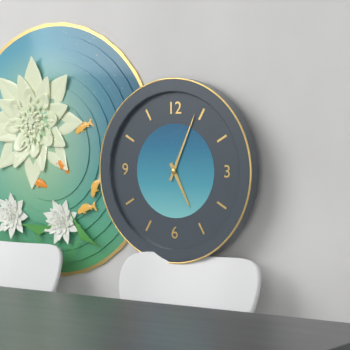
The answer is 5:04
